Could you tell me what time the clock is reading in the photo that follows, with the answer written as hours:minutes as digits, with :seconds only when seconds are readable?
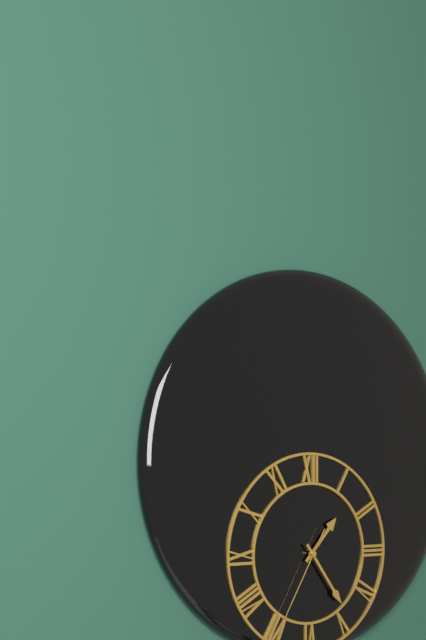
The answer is 1:24:35
